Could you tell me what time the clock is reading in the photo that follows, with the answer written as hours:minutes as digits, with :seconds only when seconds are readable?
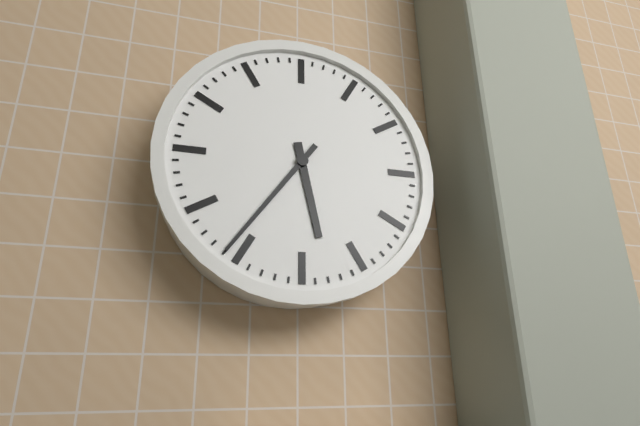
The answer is 5:36
